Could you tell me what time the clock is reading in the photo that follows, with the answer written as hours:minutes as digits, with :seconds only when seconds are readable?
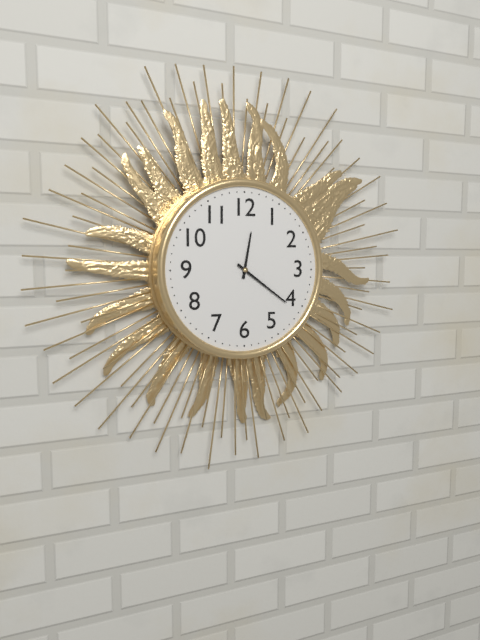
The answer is 12:21
